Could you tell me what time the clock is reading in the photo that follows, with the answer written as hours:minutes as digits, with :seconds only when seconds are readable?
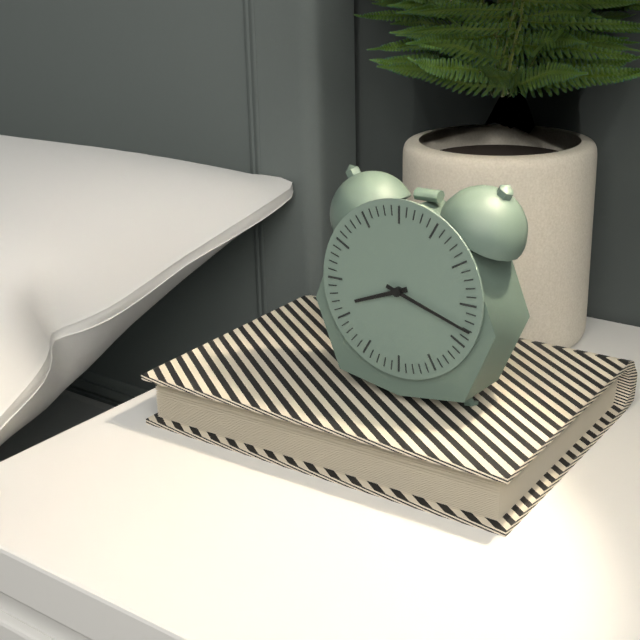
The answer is 8:18
